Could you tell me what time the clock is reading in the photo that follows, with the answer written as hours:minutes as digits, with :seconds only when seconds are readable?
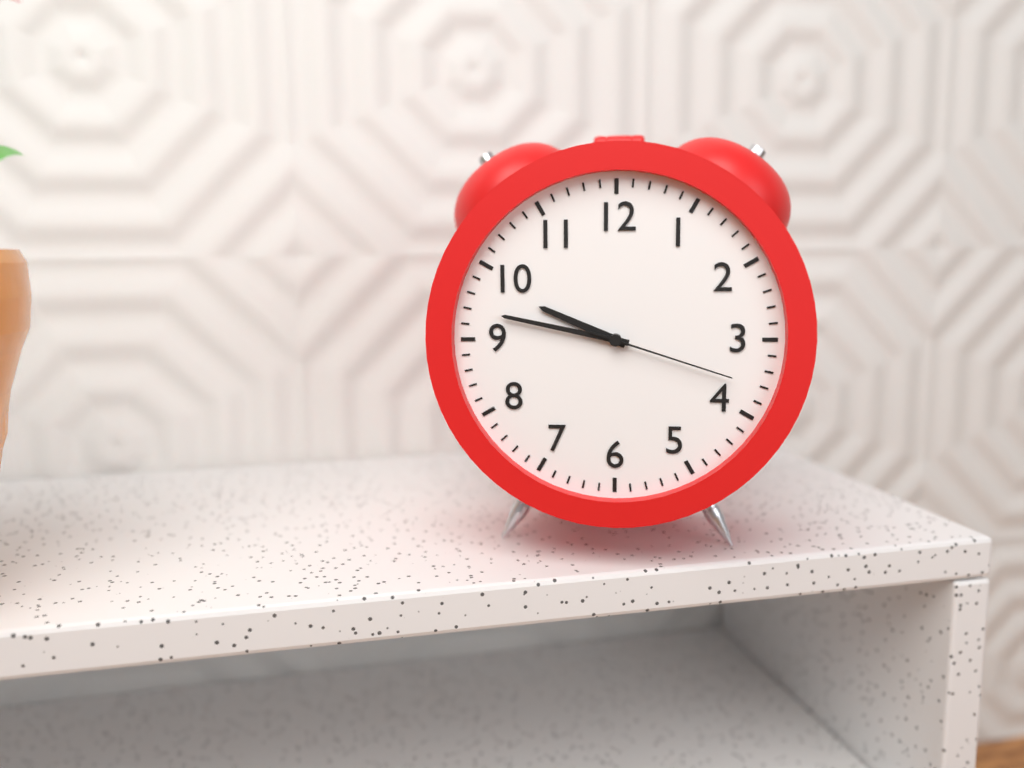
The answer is 9:47:18
